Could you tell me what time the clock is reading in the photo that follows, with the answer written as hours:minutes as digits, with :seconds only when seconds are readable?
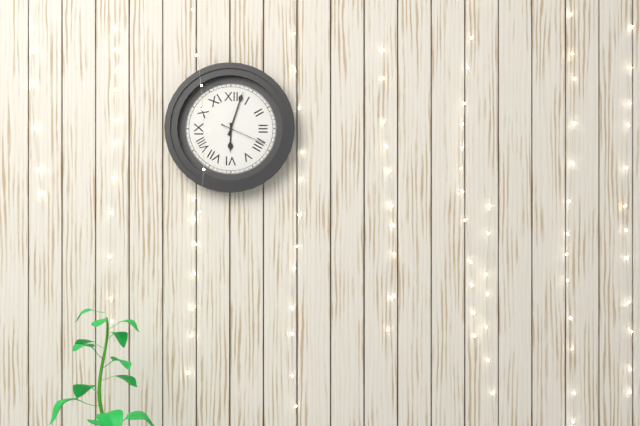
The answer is 6:03:19
